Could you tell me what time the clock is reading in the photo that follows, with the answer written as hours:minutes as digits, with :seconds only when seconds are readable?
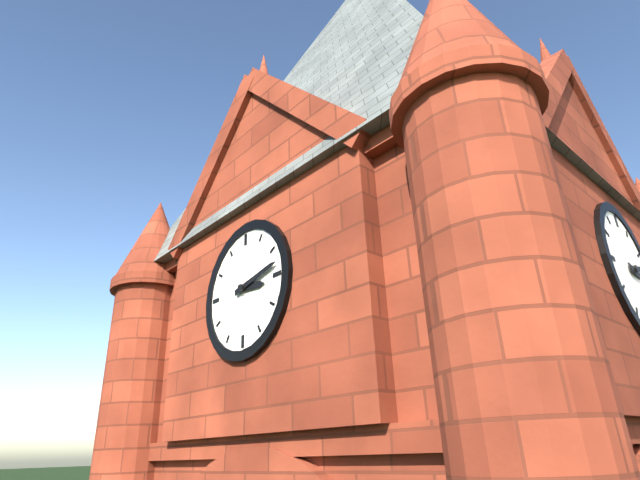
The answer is 3:13
